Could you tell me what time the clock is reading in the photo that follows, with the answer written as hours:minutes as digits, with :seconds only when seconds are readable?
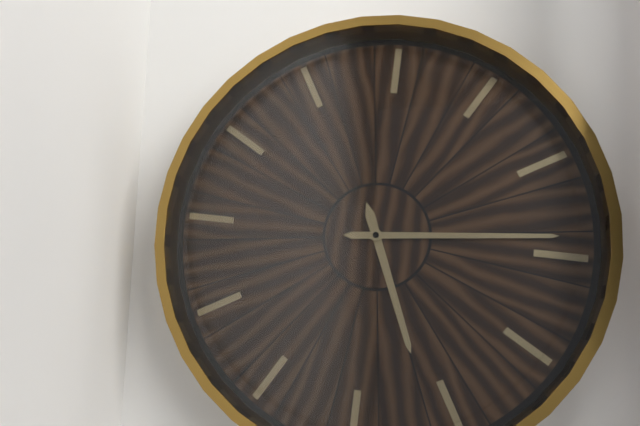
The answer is 5:14
